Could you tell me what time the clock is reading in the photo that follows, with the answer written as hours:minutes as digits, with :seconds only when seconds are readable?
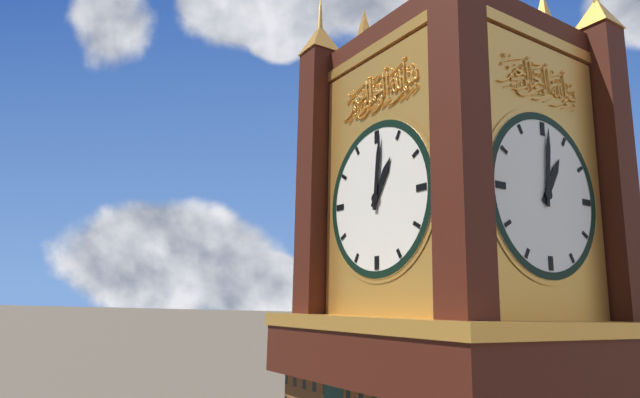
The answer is 1:01
